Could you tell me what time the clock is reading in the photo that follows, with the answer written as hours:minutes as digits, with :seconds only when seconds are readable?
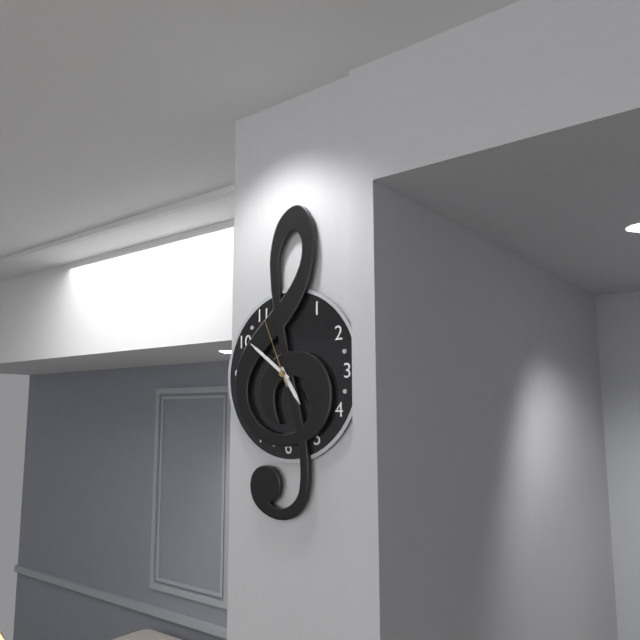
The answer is 4:51:56
